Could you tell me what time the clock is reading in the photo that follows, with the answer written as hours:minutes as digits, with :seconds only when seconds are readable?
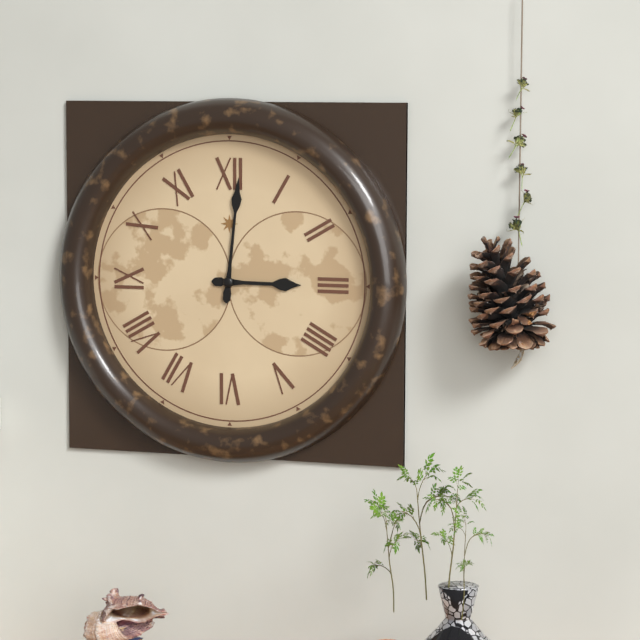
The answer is 3:01
